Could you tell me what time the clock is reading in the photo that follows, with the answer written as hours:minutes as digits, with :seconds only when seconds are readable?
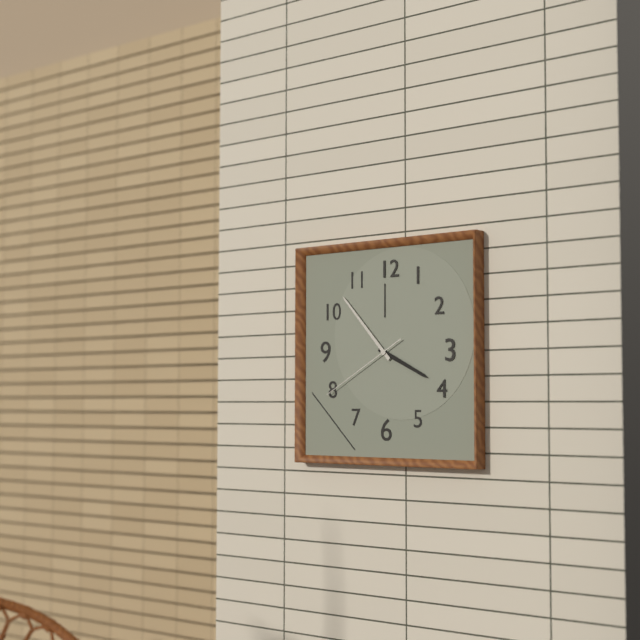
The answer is 3:53:40
